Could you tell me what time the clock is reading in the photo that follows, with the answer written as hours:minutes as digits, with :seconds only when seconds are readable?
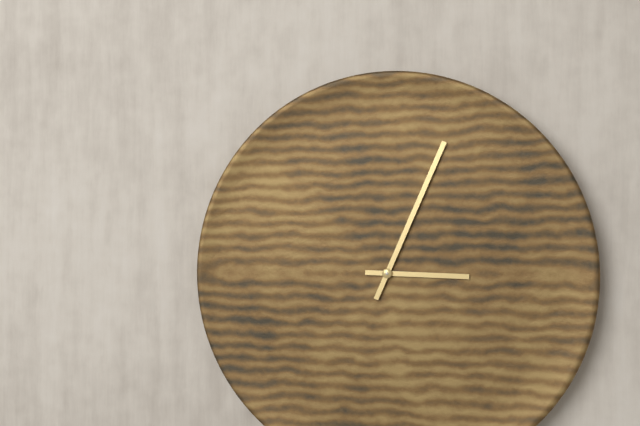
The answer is 3:04
